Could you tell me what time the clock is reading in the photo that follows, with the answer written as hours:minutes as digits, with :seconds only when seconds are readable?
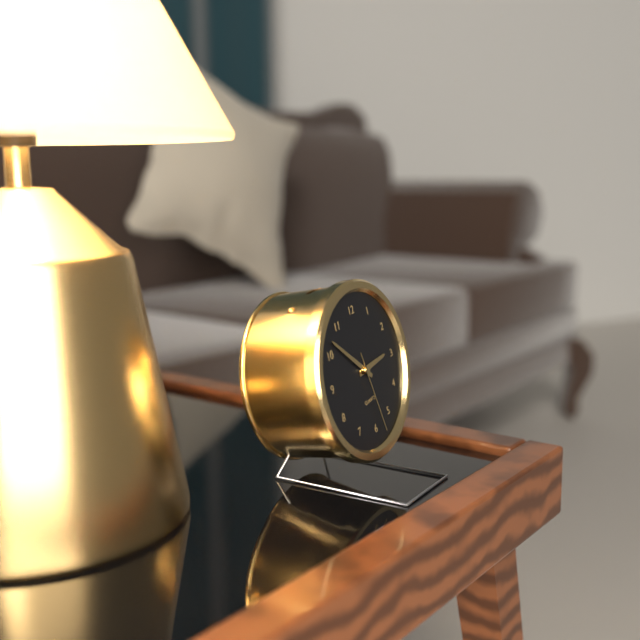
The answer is 2:52:28
